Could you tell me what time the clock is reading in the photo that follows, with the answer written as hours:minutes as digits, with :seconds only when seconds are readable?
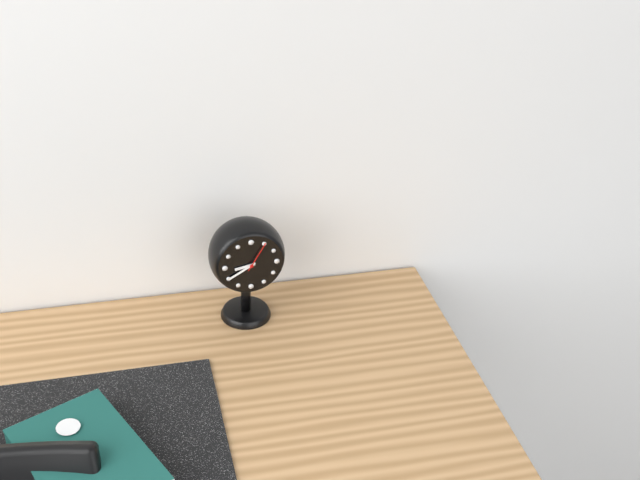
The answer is 8:40
